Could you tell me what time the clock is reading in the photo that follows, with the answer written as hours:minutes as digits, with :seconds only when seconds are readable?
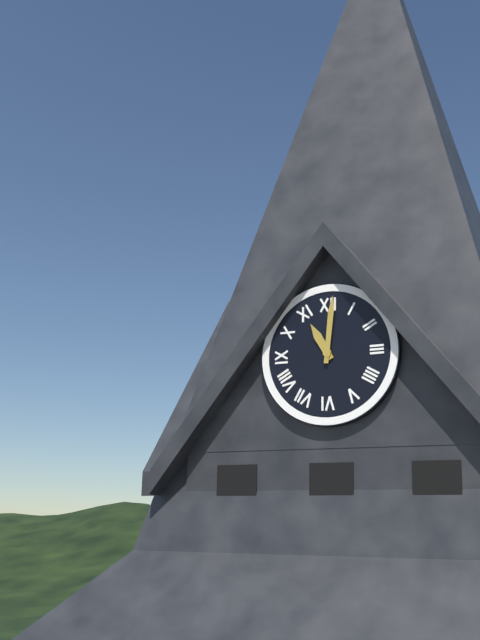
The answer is 11:01
